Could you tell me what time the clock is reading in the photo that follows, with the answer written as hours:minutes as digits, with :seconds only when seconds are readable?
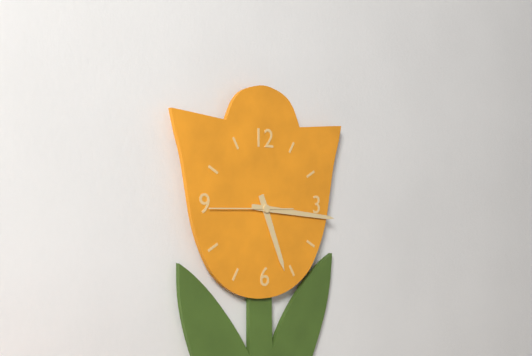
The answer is 5:16:45
